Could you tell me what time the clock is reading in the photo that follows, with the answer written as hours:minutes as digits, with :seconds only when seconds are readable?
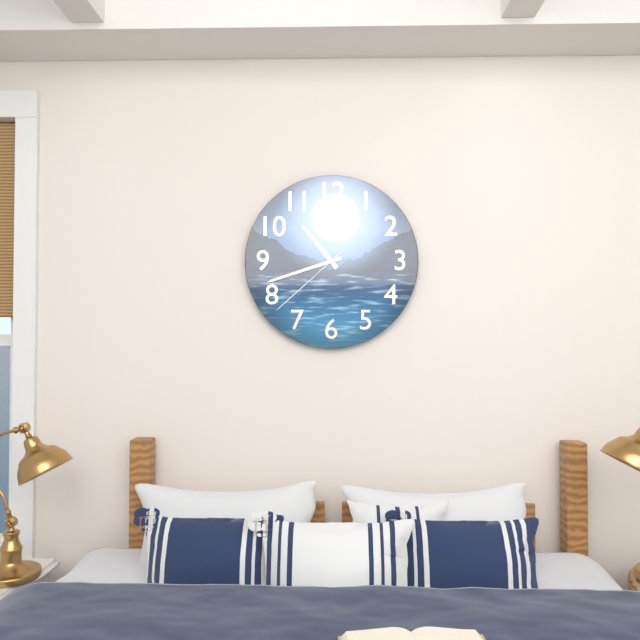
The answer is 10:42:38
